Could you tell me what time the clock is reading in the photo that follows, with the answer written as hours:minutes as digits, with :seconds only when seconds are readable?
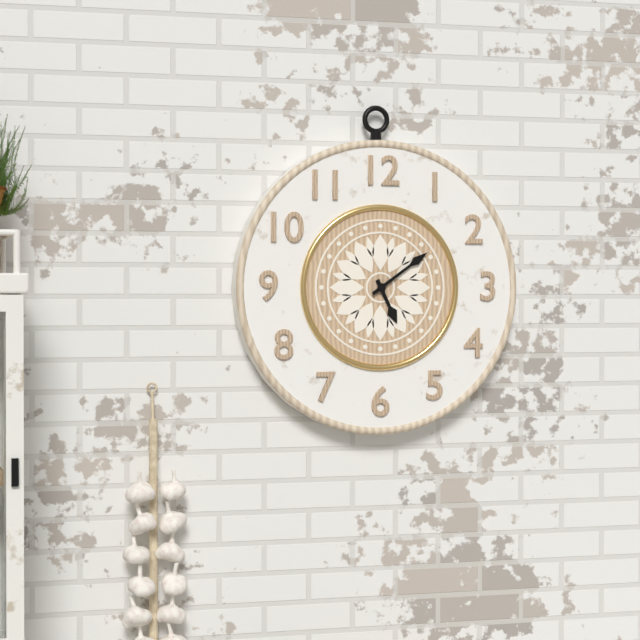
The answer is 5:09
